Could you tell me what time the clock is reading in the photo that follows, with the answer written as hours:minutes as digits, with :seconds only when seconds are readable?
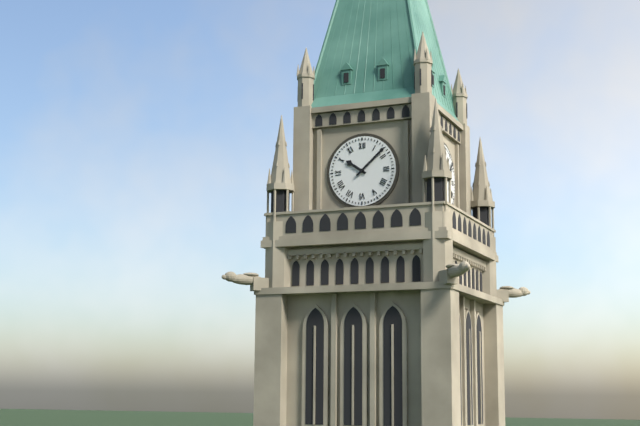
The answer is 10:08
